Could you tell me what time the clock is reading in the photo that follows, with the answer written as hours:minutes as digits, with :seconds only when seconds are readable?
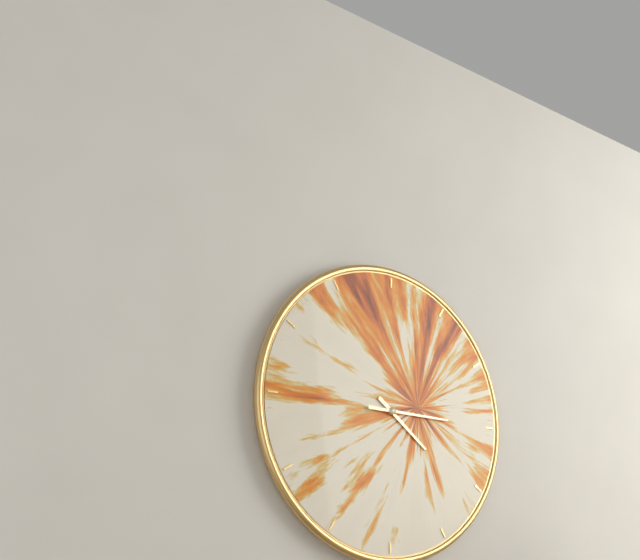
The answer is 4:15
